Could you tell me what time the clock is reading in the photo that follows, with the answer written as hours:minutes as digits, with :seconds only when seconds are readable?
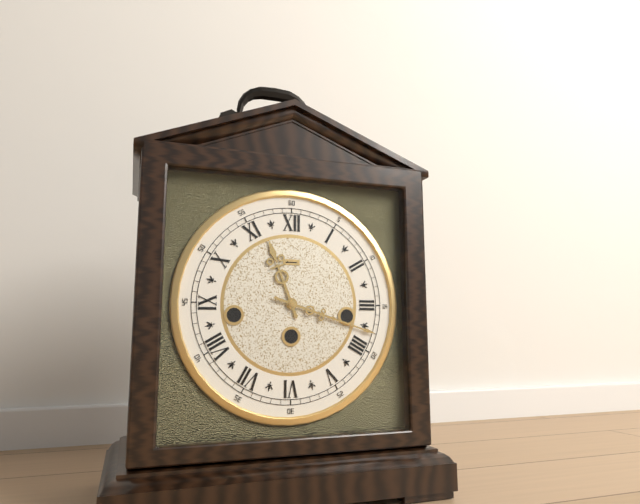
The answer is 11:18
